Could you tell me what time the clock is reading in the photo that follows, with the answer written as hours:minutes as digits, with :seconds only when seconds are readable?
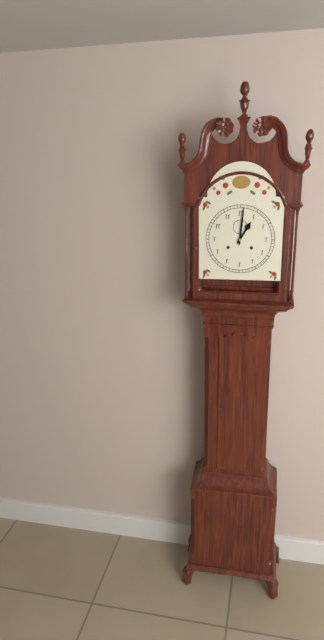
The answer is 1:01
